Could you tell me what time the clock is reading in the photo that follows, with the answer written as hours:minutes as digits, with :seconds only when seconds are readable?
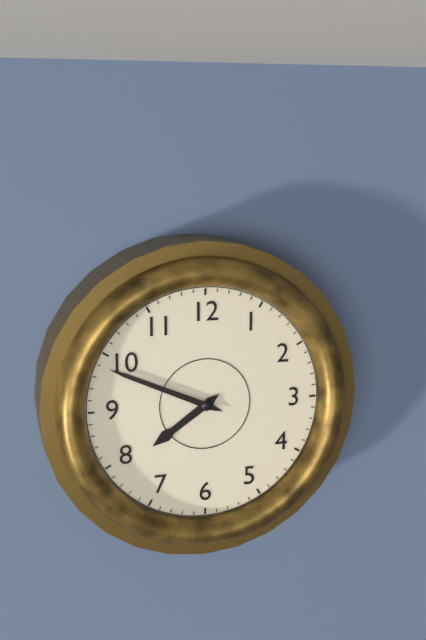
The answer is 7:49
